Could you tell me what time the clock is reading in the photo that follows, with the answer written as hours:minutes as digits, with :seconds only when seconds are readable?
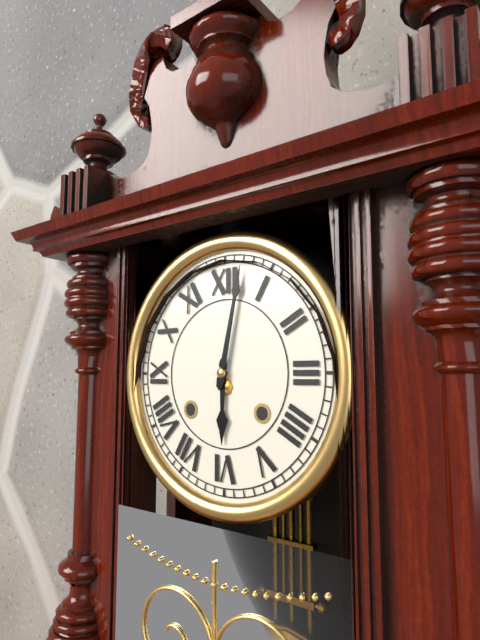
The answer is 6:02
